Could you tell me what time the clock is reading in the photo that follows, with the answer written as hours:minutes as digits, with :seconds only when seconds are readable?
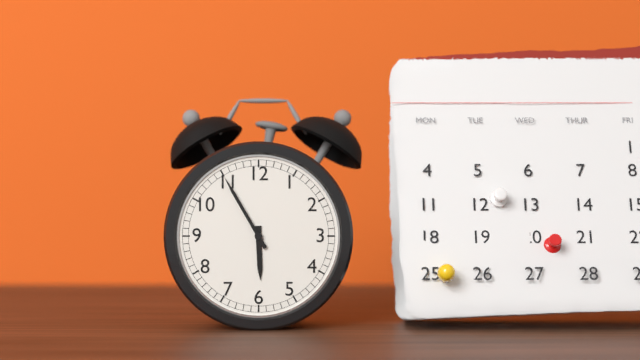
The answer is 5:55
